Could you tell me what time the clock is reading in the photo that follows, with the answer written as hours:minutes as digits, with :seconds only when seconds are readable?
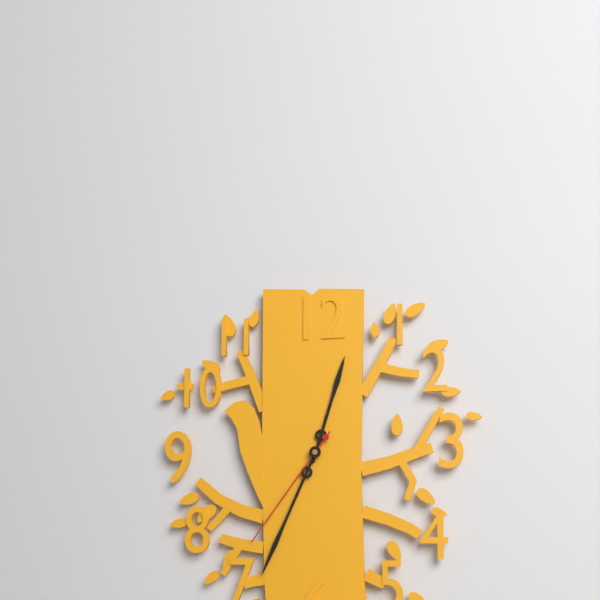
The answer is 12:34:36
